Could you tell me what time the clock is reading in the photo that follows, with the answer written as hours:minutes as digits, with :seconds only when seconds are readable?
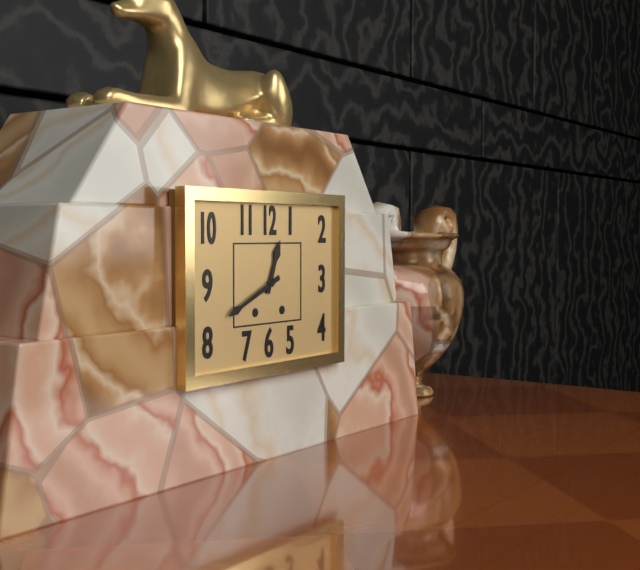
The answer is 12:41
